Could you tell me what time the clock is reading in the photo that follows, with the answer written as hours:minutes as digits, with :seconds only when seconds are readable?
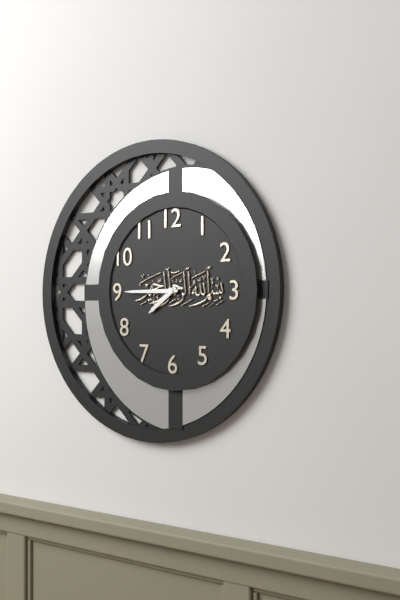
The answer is 7:45
